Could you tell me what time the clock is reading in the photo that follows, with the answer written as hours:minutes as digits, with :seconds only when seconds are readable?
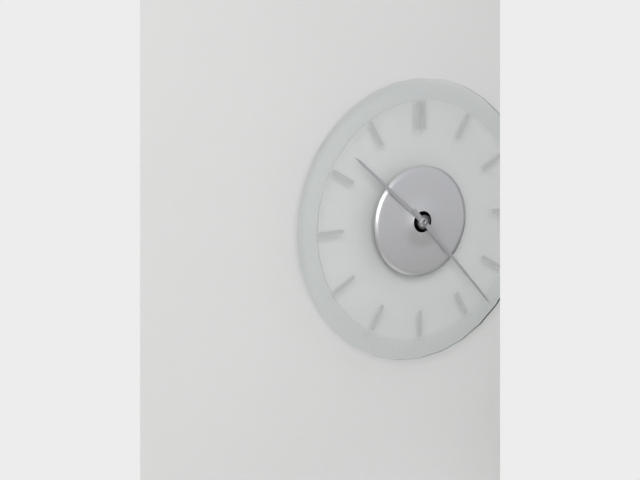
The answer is 10:23
